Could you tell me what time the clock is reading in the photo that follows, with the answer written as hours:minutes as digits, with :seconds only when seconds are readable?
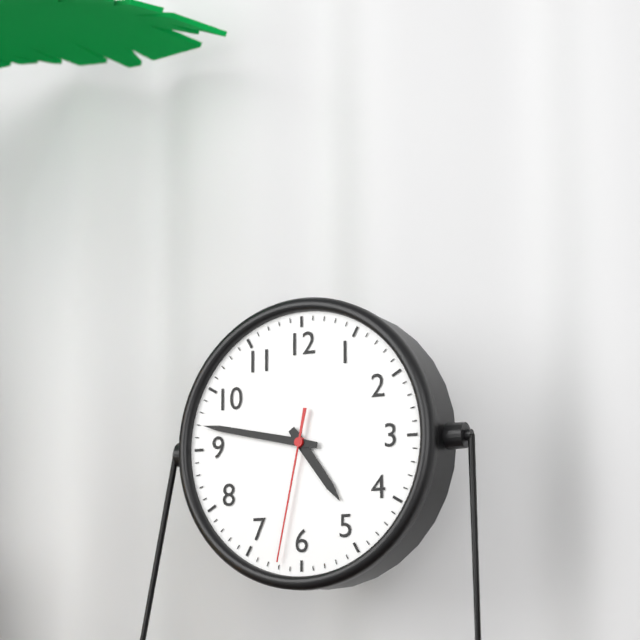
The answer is 4:47:32
